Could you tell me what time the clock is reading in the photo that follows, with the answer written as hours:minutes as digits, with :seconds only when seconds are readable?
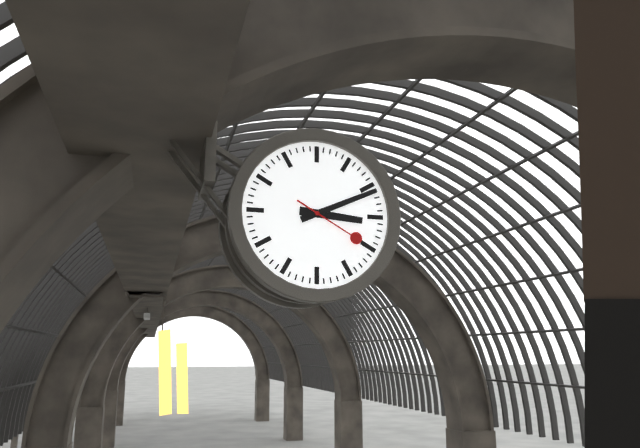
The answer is 3:11:20
